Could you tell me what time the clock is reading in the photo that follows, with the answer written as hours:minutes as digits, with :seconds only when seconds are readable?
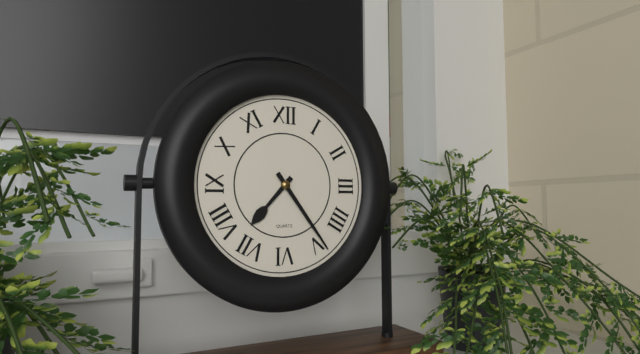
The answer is 7:24
